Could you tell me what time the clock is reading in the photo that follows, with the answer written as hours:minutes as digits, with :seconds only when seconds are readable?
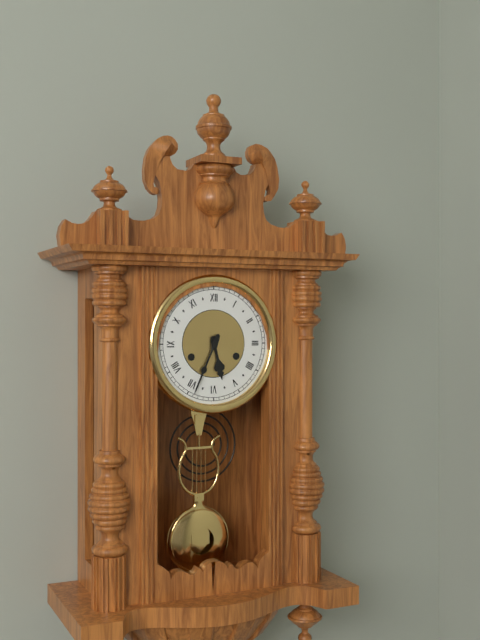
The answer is 5:34
